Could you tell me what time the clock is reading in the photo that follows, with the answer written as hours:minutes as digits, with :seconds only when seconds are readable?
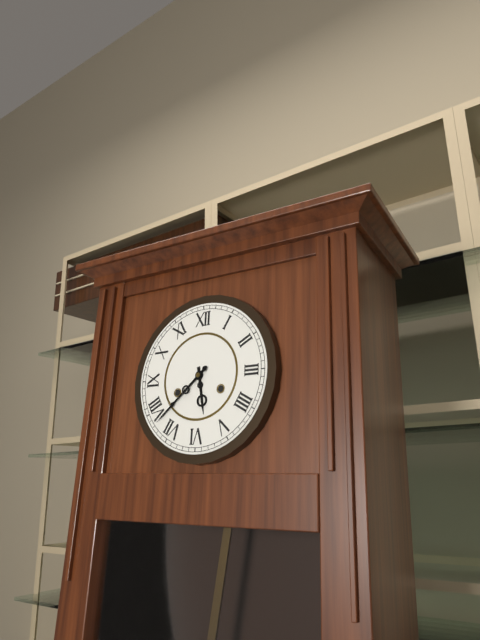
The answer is 5:38
